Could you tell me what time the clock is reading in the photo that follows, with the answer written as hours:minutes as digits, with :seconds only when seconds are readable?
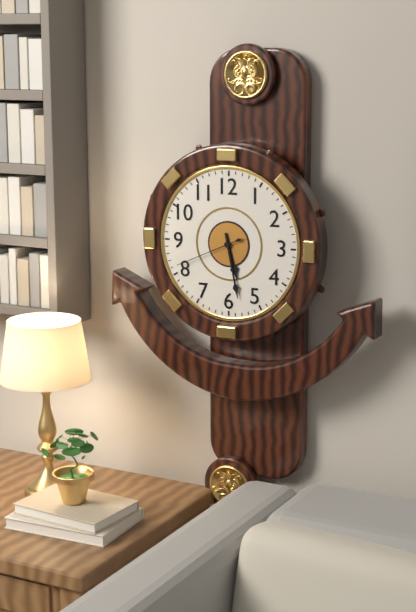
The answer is 5:28:41
